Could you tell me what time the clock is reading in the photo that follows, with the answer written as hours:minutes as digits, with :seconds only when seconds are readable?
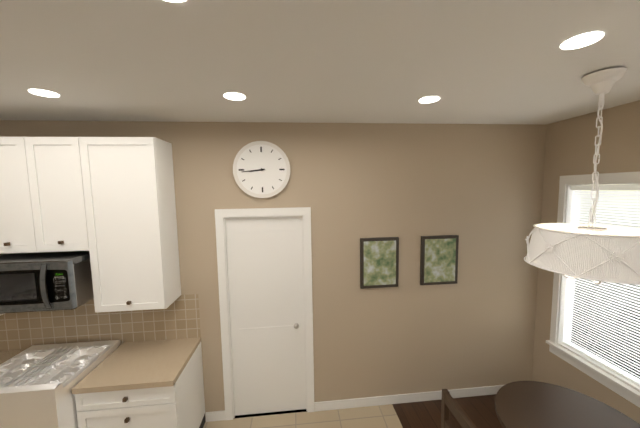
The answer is 8:44
